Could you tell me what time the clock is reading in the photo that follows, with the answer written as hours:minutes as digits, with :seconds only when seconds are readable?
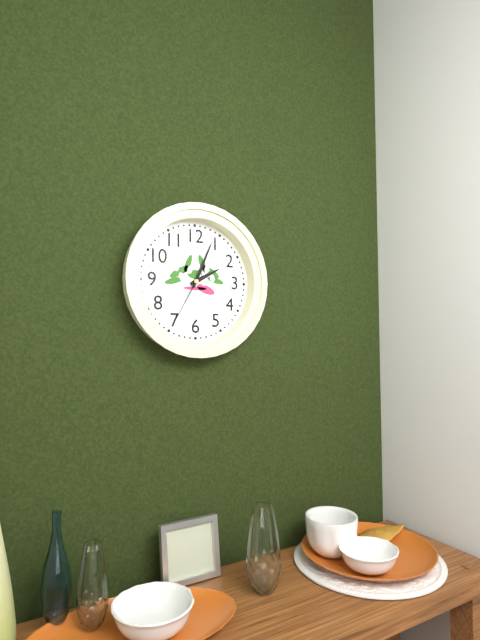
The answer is 2:04:35
